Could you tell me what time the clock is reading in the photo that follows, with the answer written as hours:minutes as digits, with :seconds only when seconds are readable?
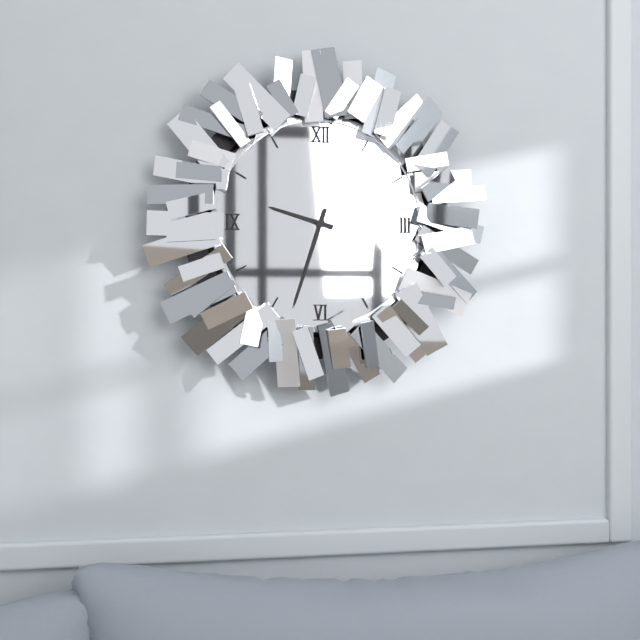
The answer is 9:33
